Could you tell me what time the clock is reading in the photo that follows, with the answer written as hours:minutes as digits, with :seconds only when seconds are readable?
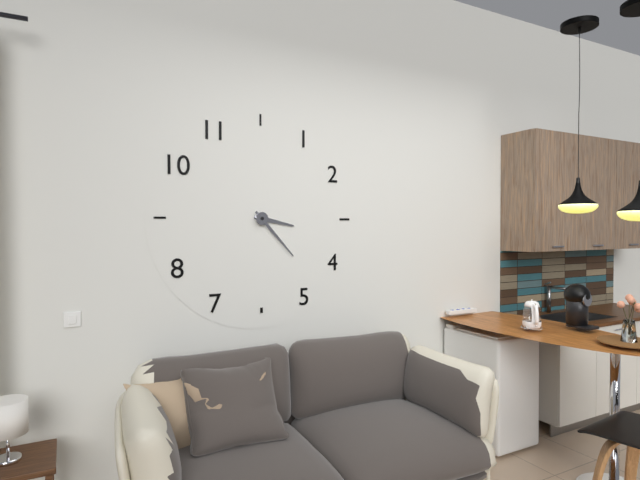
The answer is 3:23
